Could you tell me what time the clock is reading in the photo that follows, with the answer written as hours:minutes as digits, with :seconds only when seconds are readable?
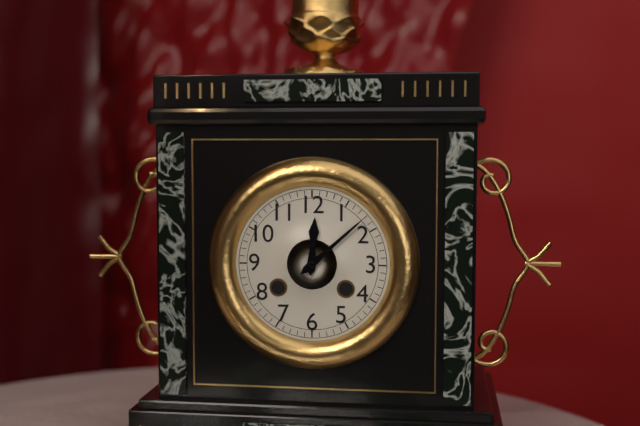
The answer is 12:08
